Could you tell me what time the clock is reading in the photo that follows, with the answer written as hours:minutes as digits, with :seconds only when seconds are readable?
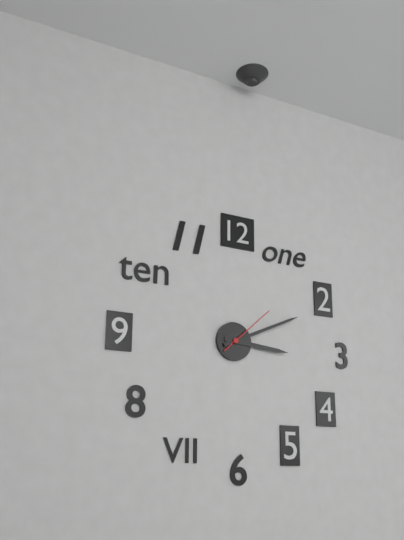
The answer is 3:11:08
